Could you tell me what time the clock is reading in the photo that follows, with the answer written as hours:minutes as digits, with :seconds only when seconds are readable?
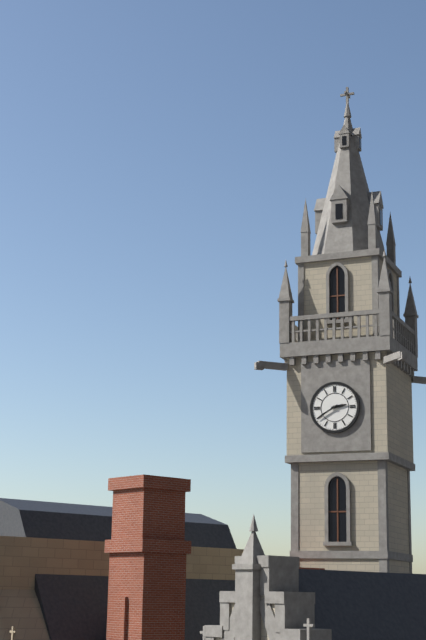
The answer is 2:40
